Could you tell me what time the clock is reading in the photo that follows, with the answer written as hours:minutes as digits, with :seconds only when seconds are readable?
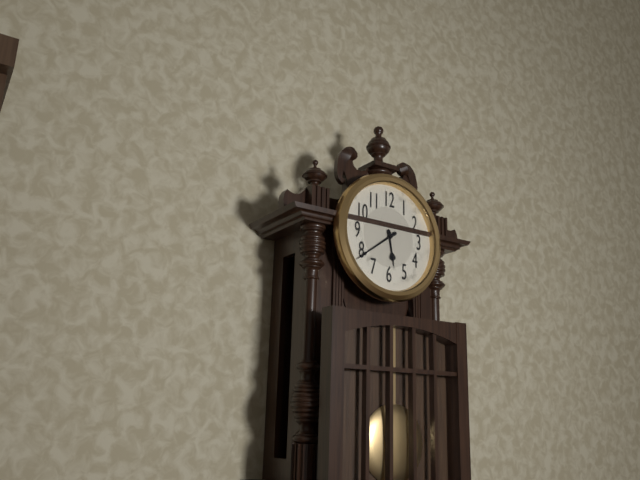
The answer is 5:39
